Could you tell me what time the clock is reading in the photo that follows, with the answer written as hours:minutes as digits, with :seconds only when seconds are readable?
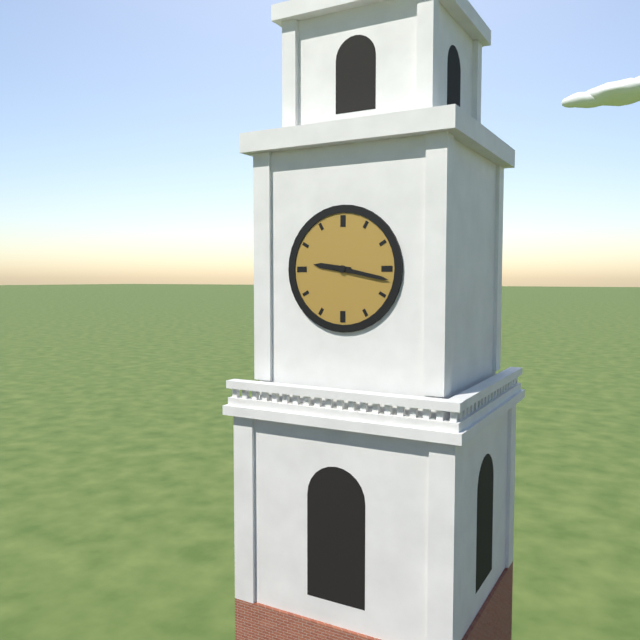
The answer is 9:17
